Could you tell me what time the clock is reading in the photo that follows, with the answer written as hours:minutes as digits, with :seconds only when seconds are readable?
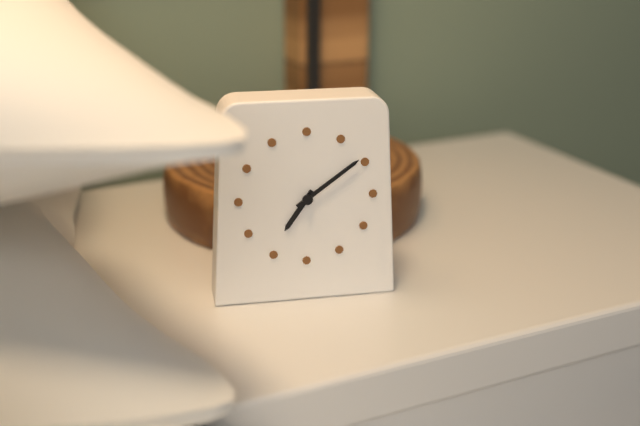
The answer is 7:09
